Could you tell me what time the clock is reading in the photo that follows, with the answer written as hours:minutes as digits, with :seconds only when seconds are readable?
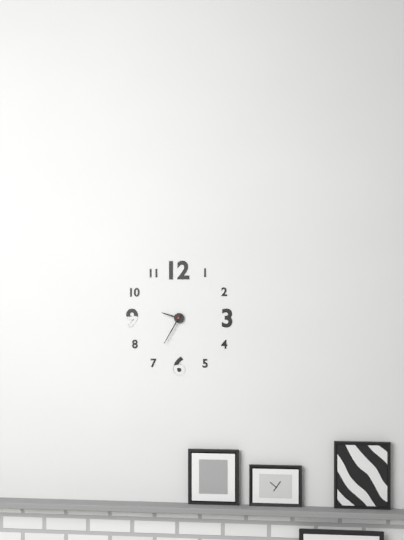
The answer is 9:35
